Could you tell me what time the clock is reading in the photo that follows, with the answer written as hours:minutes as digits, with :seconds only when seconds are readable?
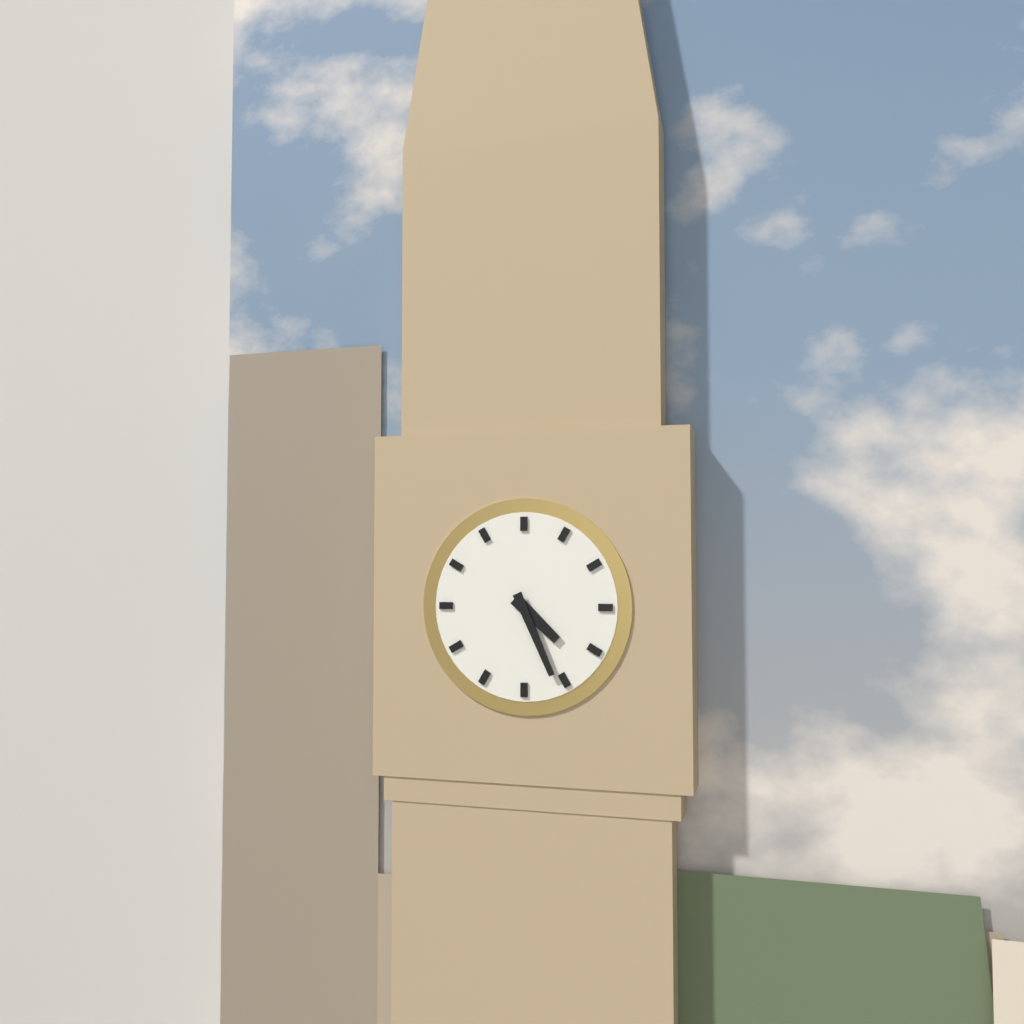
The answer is 4:26
